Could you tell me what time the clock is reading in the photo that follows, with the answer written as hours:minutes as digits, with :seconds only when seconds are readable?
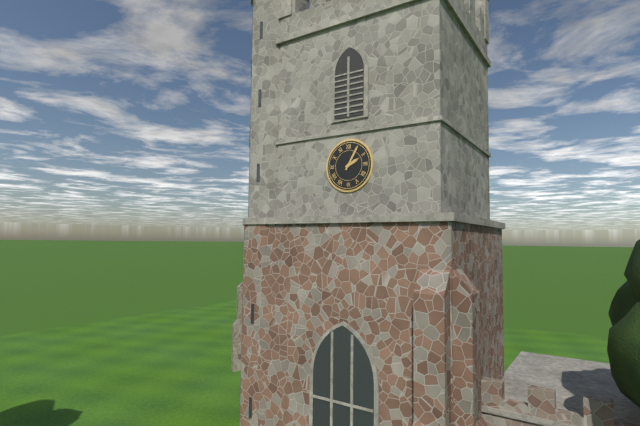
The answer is 2:05
